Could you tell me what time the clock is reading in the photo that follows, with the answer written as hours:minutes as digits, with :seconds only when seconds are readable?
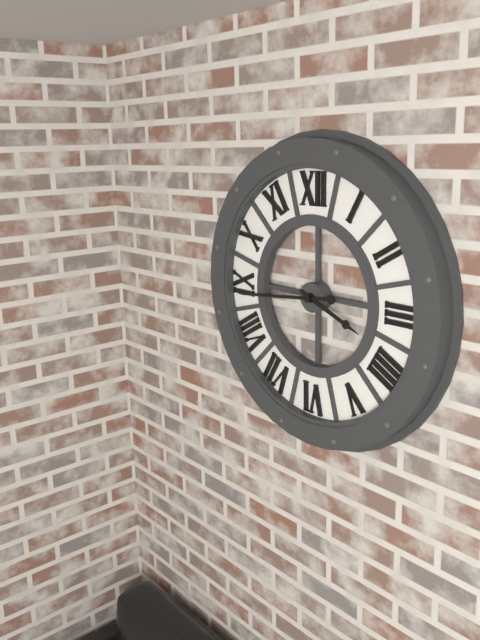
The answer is 3:44
